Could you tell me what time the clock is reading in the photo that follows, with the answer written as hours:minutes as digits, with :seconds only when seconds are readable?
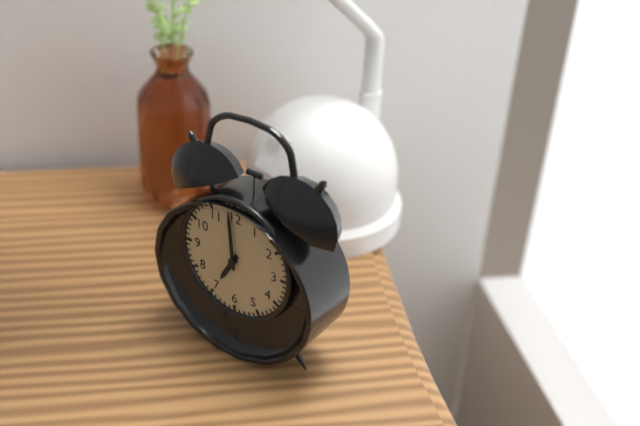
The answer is 6:59
